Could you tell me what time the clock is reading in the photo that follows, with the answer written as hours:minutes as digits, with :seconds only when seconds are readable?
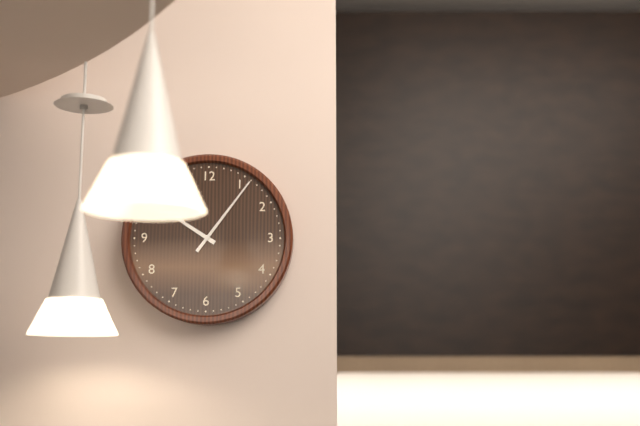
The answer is 10:06
